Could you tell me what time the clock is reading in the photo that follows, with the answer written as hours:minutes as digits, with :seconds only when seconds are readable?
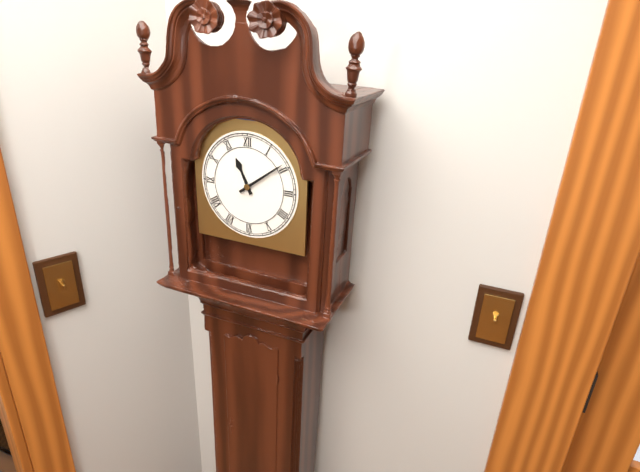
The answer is 11:09
